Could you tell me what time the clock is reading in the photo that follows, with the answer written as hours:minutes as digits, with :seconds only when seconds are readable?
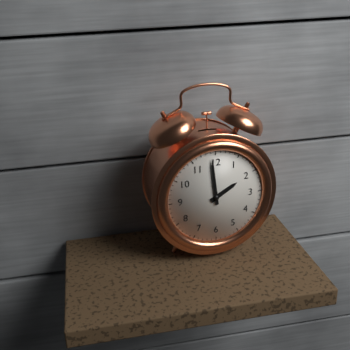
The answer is 1:59
